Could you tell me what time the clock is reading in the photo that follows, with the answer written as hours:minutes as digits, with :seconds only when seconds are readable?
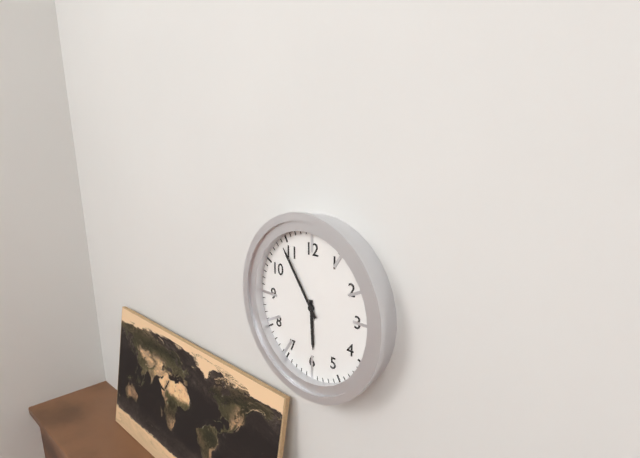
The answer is 5:54
